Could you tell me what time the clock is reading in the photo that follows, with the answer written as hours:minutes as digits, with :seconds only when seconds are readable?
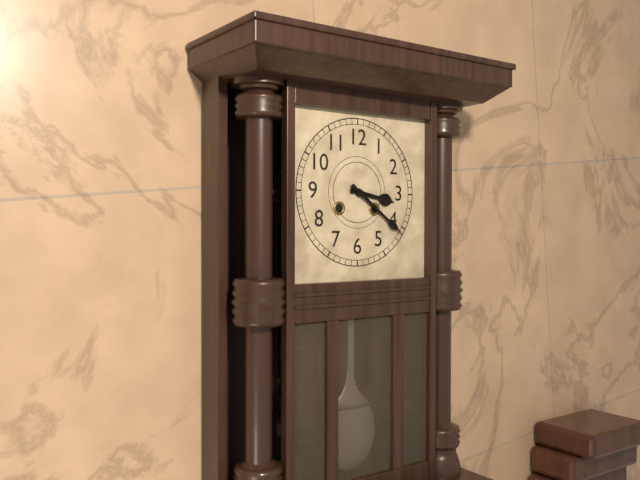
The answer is 3:21
